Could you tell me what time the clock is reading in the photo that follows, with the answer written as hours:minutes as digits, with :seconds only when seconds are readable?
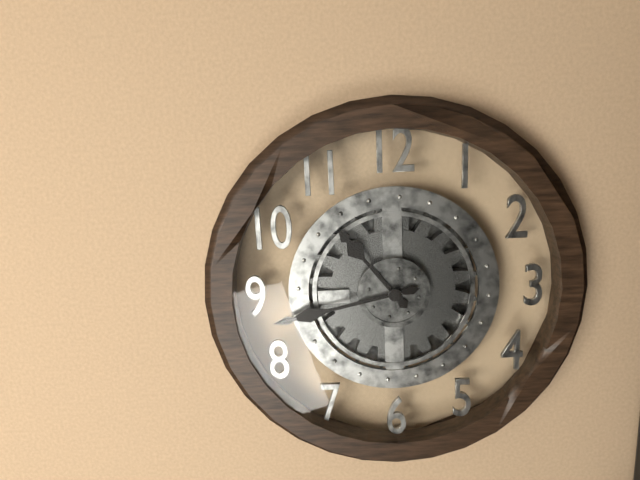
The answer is 10:43
